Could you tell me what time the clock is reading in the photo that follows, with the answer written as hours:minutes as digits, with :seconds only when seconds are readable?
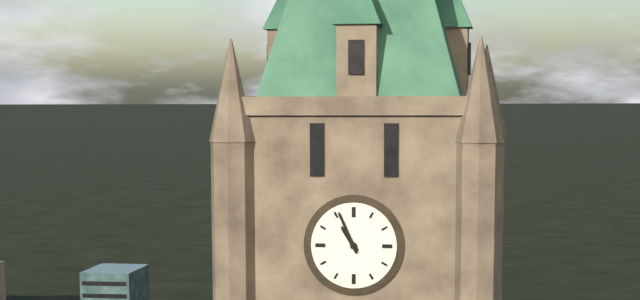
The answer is 10:56
